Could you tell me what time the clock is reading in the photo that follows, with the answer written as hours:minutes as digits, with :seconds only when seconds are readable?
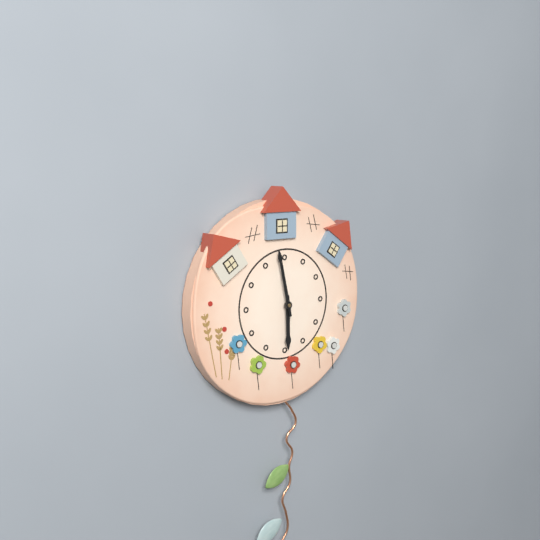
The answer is 5:58
